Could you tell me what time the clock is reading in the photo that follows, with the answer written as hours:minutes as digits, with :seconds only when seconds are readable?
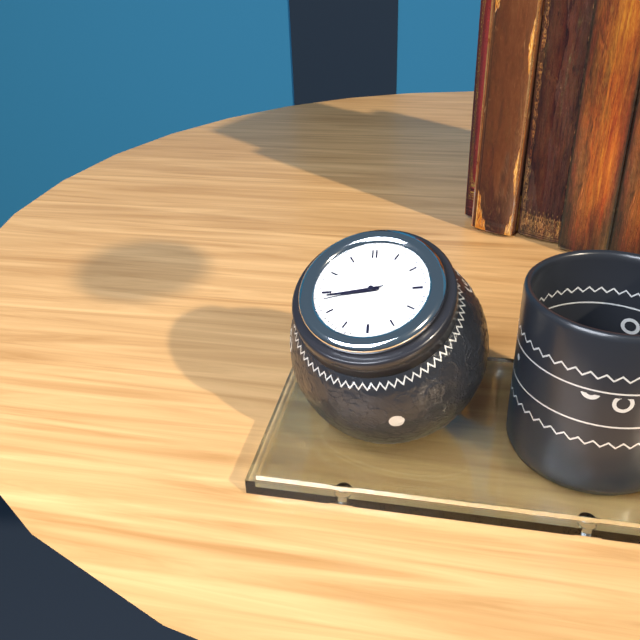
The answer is 8:44:43
